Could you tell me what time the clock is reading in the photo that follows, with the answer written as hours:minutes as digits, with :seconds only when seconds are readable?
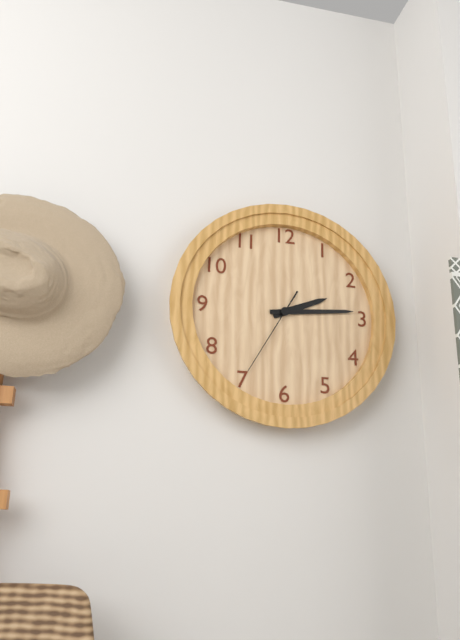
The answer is 2:14:35
